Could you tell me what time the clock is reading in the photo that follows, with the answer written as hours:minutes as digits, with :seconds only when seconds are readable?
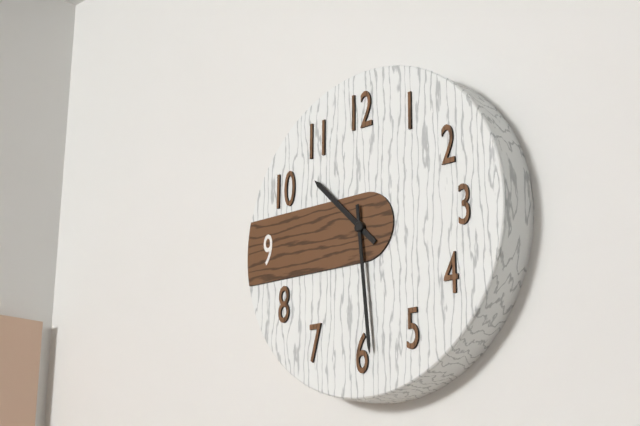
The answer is 10:29
